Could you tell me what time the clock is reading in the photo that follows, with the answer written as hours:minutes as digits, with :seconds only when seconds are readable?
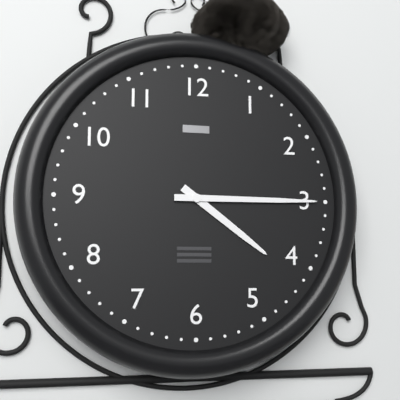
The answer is 4:15
